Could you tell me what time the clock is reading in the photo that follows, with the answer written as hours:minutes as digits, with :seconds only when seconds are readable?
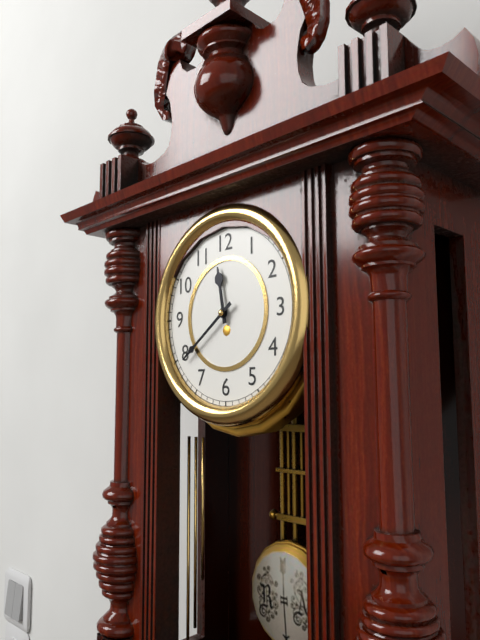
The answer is 11:39
